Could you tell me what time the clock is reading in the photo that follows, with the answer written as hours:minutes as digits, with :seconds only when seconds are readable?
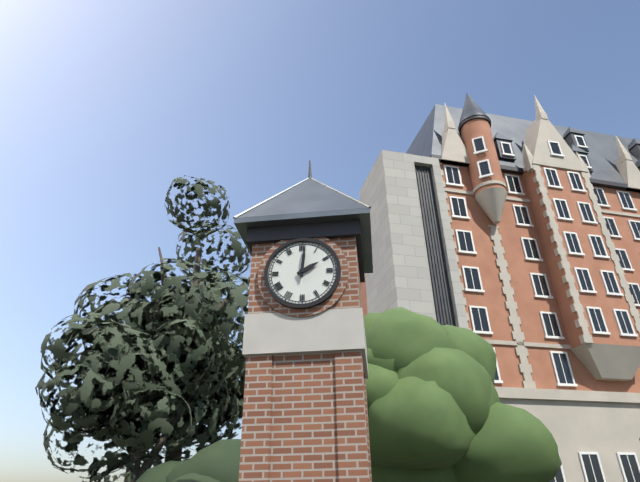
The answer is 2:01
